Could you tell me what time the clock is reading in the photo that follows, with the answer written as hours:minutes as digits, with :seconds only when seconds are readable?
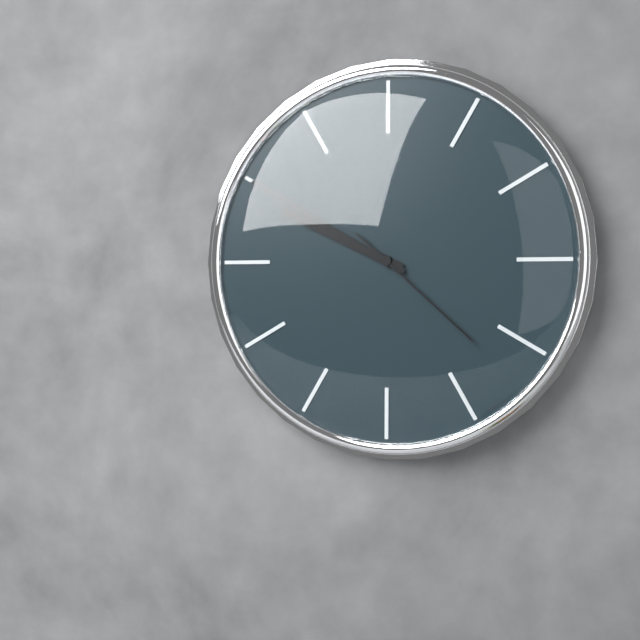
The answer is 9:50:22
